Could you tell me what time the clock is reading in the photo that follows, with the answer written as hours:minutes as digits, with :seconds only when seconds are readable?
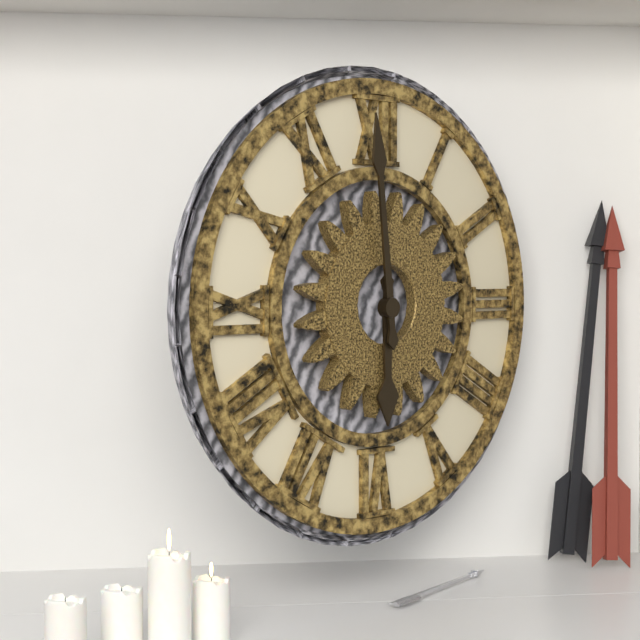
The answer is 5:59
